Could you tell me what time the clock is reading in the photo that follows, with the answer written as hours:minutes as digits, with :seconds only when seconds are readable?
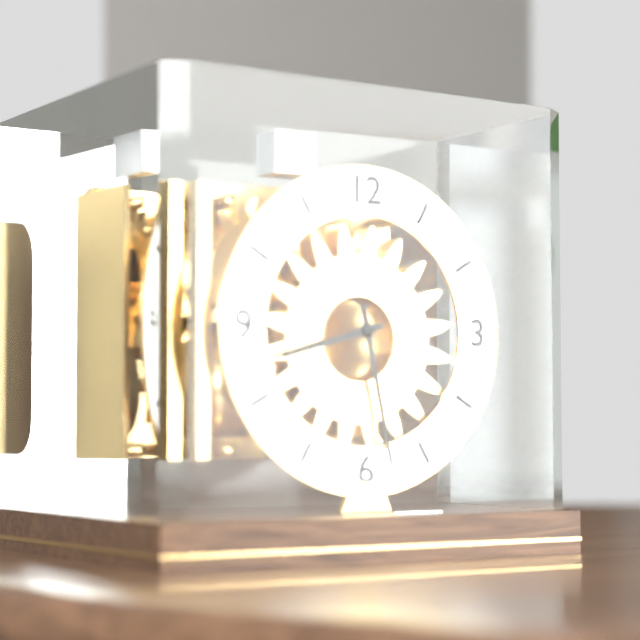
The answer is 8:28
